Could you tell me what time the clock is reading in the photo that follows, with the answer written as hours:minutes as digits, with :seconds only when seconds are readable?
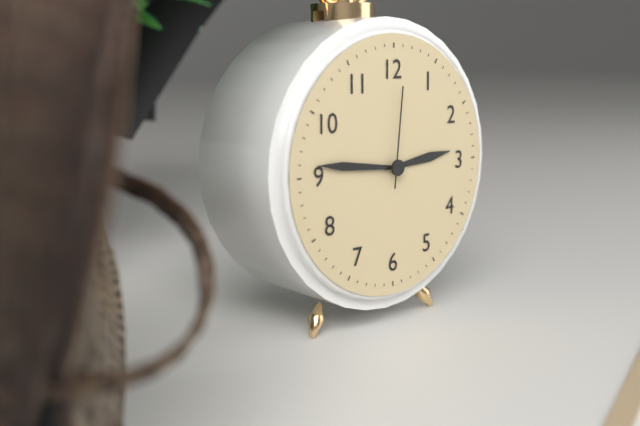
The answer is 2:46:01
